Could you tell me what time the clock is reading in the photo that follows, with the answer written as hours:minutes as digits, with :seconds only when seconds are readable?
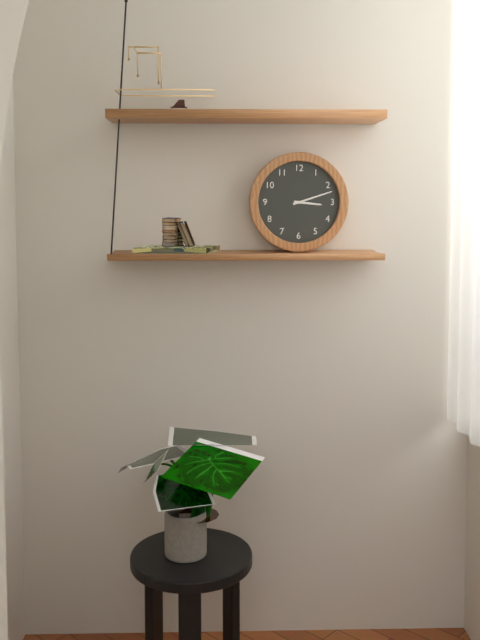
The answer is 3:12
